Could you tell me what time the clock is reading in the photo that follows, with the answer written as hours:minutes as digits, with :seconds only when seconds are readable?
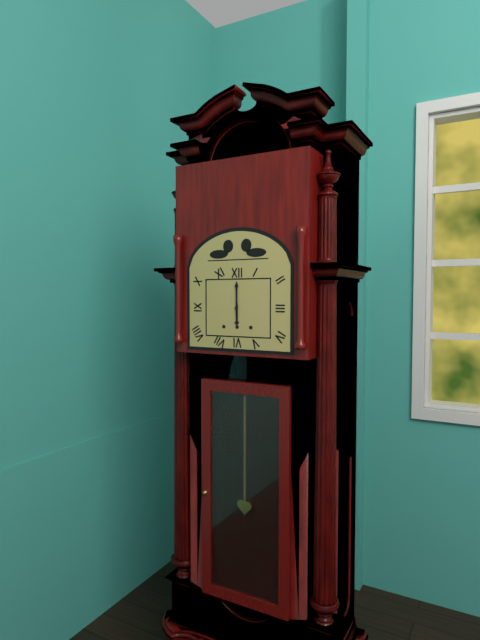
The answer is 6:00
